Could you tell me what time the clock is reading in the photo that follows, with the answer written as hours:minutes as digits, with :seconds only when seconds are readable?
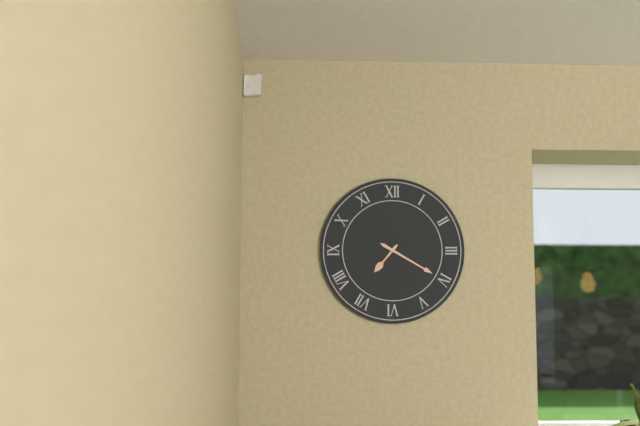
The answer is 7:20
